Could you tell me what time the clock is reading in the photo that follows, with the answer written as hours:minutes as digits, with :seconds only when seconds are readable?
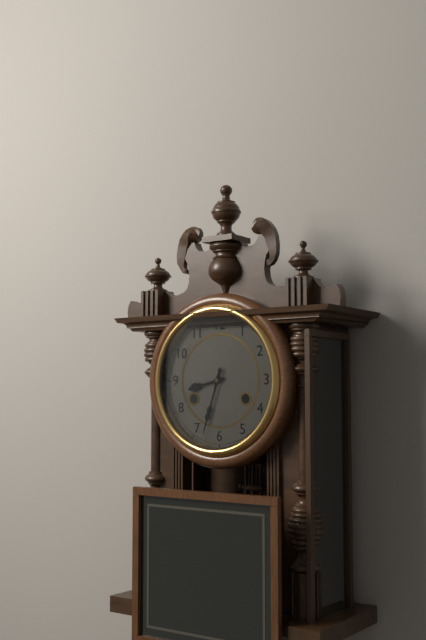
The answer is 8:33
